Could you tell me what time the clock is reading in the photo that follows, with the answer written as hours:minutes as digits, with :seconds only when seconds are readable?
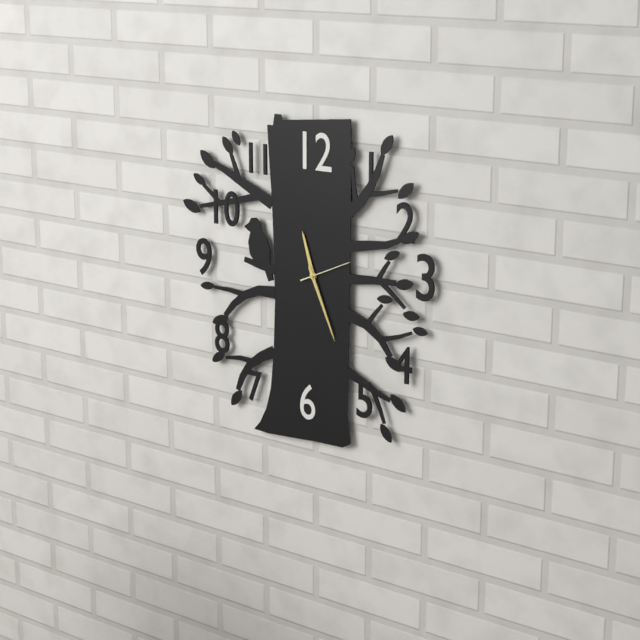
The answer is 11:26
